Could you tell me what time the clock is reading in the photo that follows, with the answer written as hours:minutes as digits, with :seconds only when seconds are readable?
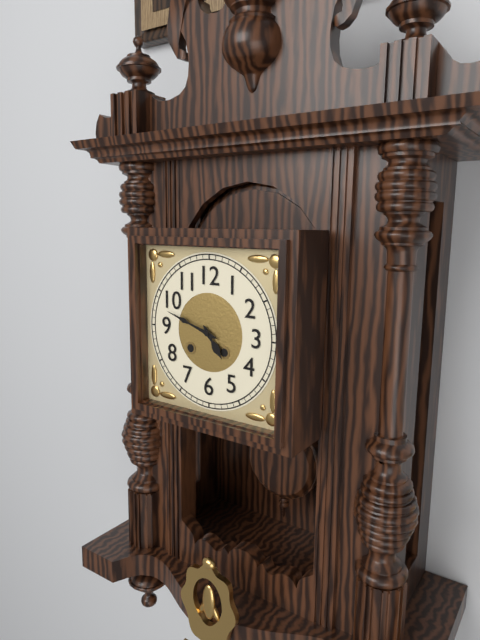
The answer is 4:48
